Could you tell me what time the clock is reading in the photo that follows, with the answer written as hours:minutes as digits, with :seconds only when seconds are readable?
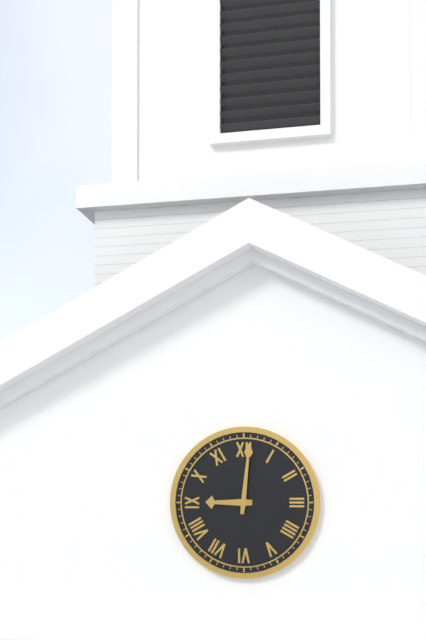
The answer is 9:01
